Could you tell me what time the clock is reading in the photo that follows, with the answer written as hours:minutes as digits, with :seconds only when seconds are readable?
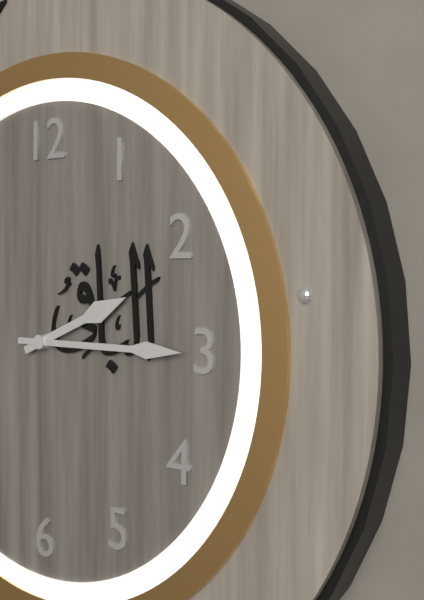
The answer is 2:15
